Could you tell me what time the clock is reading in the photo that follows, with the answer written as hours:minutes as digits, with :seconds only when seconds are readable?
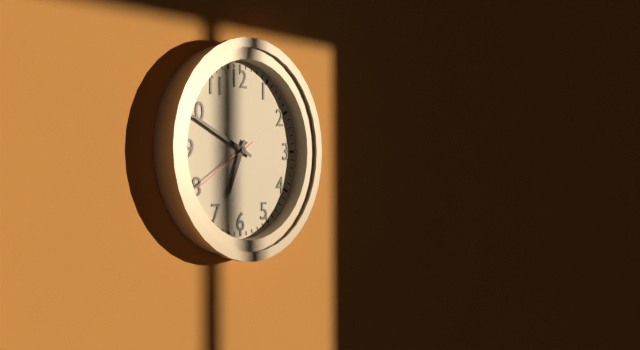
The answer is 6:49:40
